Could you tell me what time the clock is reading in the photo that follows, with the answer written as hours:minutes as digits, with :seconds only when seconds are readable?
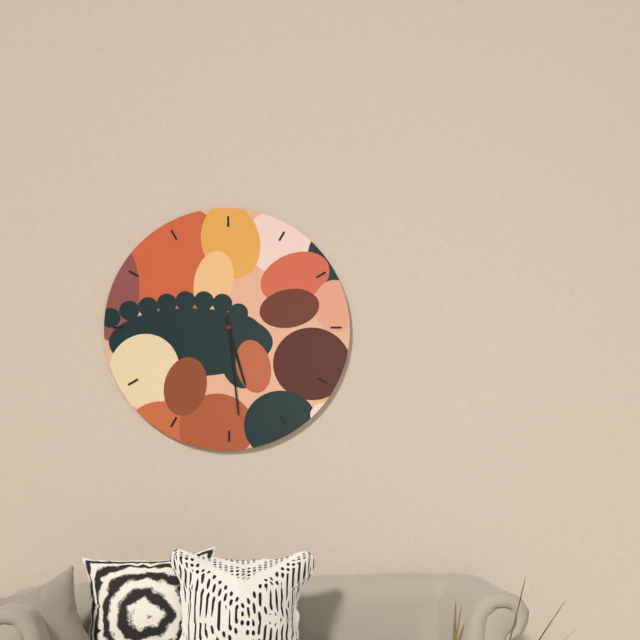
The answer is 5:29
